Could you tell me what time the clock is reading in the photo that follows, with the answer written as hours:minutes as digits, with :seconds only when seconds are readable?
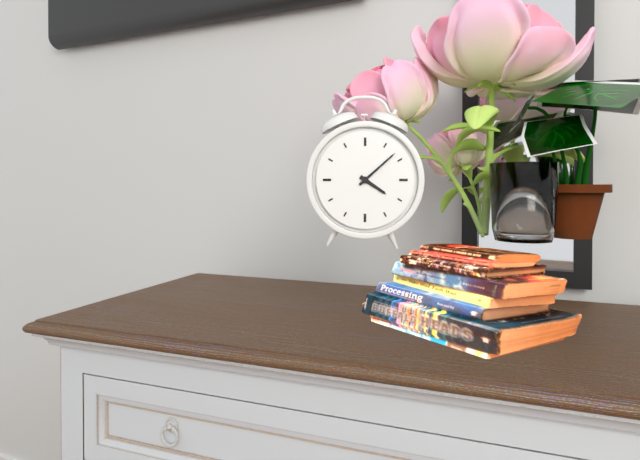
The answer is 4:08
